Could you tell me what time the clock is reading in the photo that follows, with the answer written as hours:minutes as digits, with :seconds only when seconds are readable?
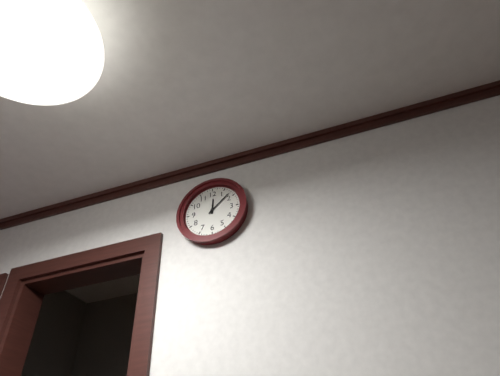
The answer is 12:08
